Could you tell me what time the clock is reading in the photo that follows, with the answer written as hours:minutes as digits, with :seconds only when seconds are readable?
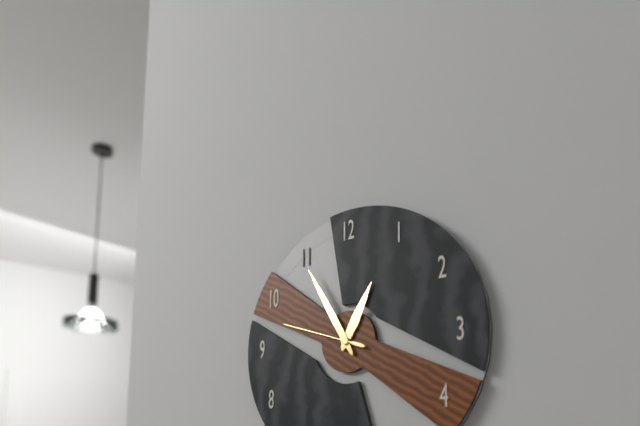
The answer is 12:55:48
